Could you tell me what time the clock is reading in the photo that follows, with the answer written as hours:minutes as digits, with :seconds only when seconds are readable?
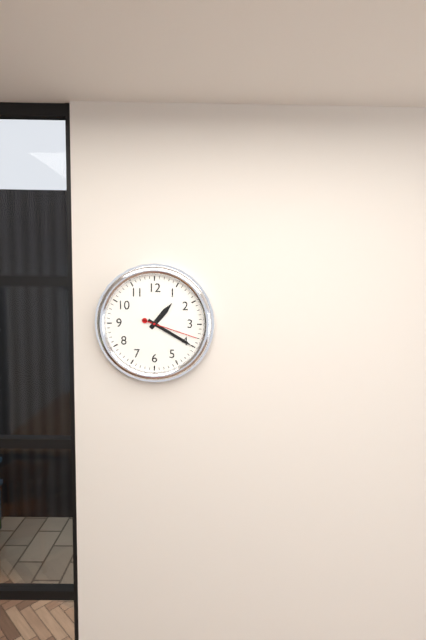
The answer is 1:20:18
